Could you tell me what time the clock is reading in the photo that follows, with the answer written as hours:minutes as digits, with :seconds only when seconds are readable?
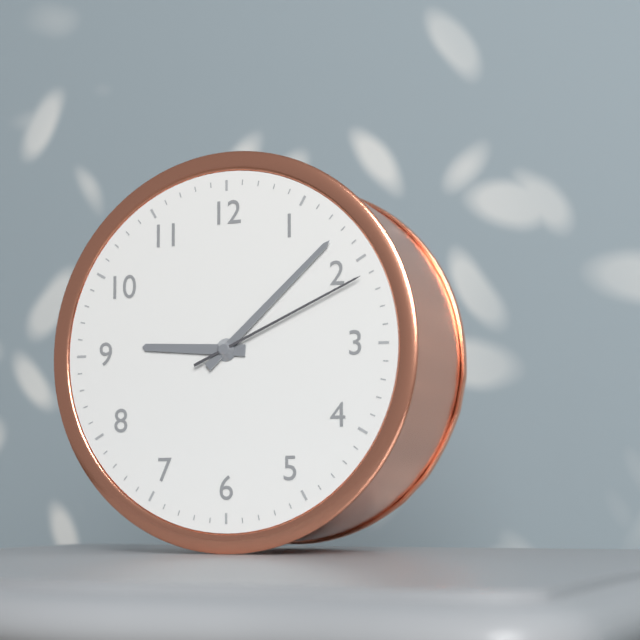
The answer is 9:08:11
